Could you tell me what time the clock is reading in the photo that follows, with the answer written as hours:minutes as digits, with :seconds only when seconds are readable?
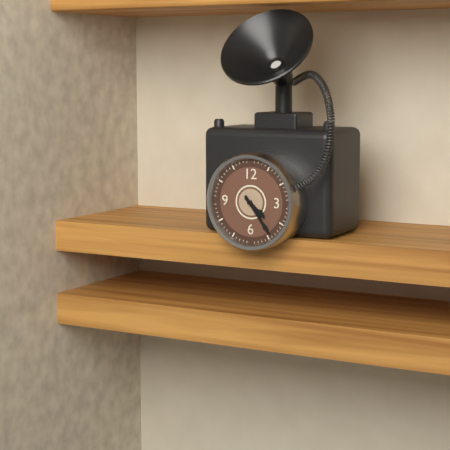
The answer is 4:24
